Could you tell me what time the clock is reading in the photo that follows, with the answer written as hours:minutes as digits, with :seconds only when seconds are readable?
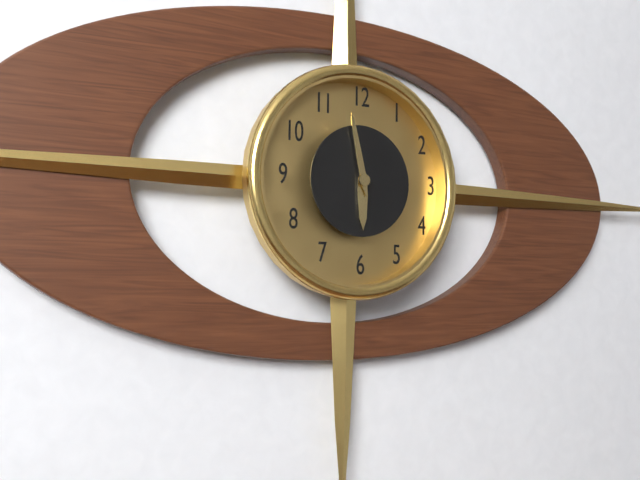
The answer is 5:58
